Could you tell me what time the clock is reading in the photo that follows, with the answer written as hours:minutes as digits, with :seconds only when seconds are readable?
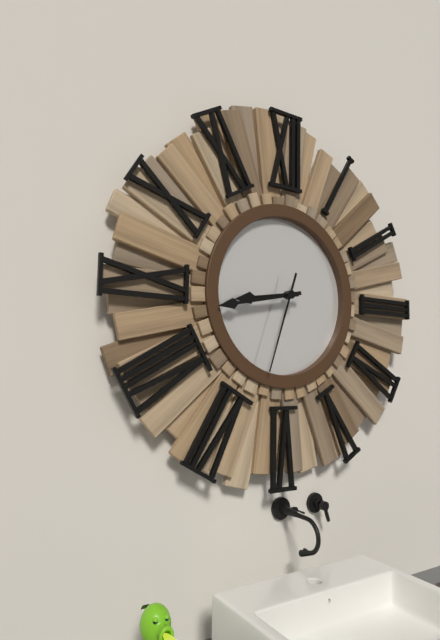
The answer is 8:43:33
